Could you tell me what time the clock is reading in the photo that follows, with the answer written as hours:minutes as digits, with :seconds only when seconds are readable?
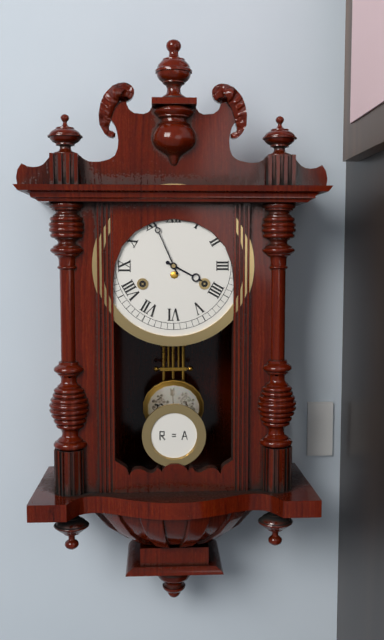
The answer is 3:56
